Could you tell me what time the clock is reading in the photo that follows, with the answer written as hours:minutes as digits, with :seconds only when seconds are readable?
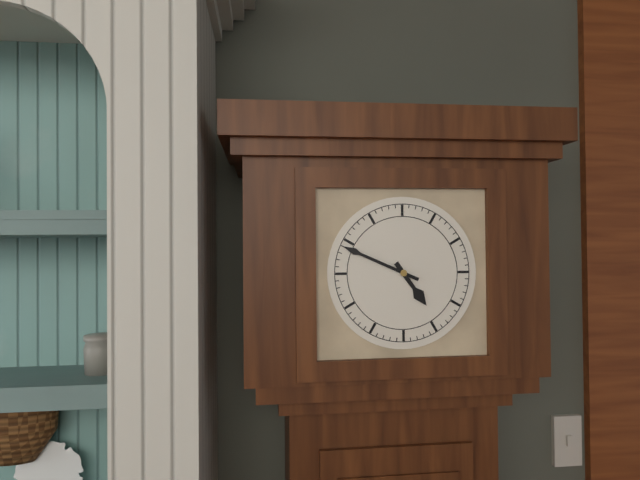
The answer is 4:49
